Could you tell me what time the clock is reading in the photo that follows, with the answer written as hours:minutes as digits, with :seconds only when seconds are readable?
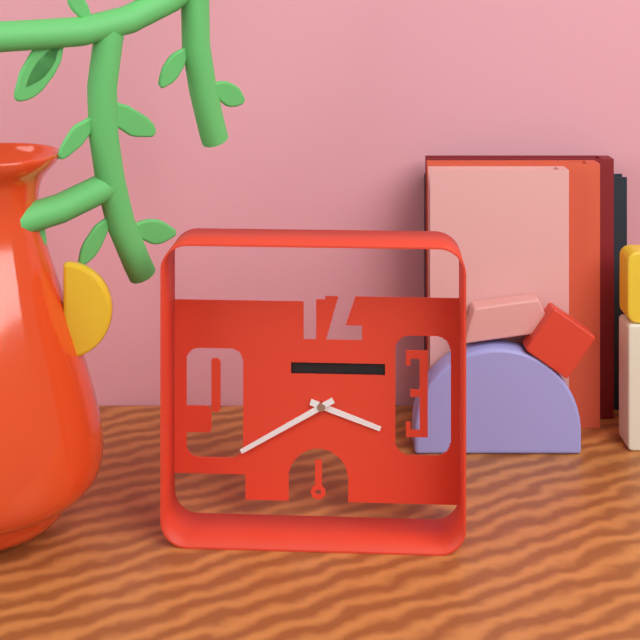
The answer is 3:40
